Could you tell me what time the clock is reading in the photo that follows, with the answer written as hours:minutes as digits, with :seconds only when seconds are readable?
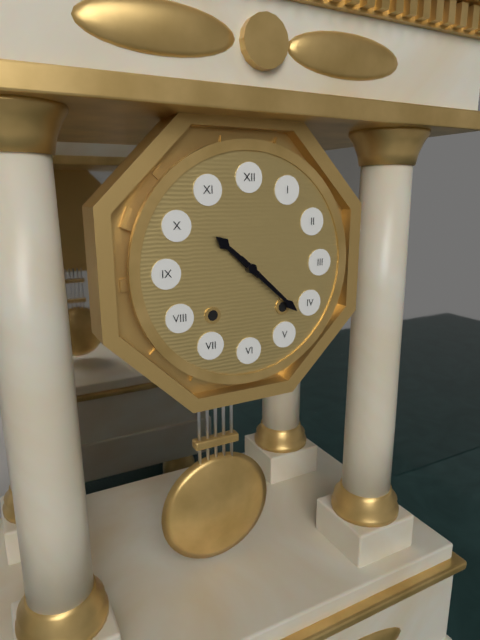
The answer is 10:22
